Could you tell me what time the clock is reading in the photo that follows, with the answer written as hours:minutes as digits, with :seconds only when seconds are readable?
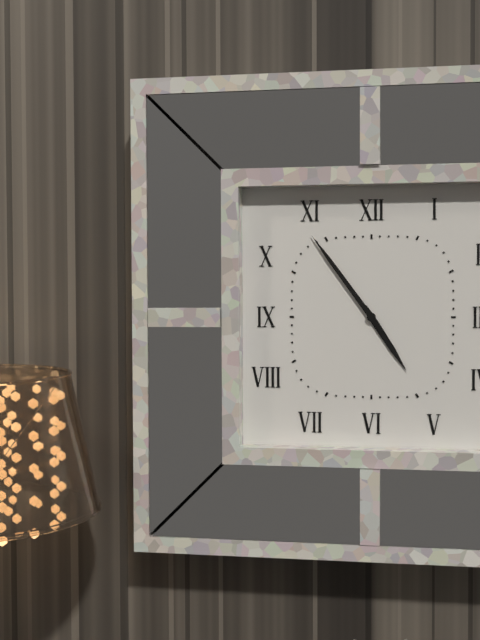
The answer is 4:54
